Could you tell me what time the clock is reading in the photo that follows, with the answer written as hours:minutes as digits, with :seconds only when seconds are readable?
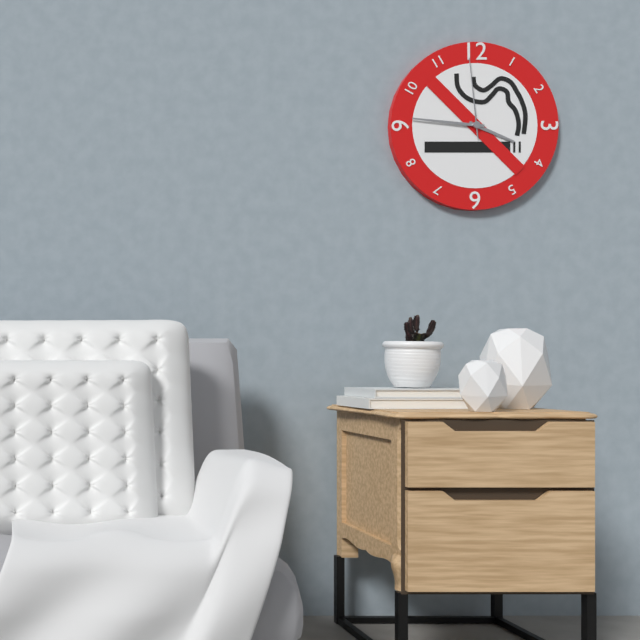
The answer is 3:46:59
